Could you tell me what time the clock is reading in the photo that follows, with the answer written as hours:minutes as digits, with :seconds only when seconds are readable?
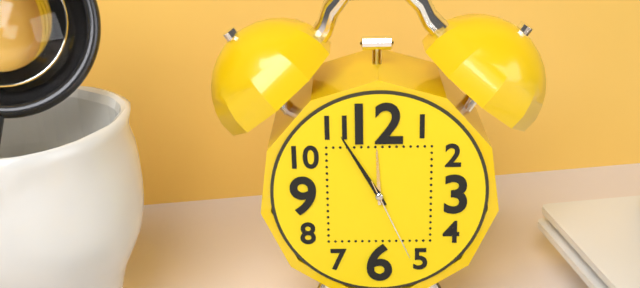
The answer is 11:55:26
